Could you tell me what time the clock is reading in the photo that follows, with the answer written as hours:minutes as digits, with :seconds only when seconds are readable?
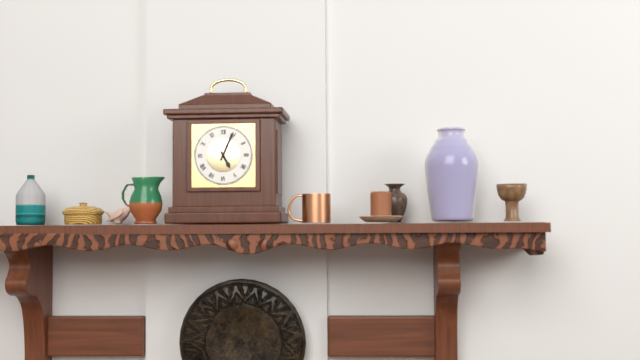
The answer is 5:04
